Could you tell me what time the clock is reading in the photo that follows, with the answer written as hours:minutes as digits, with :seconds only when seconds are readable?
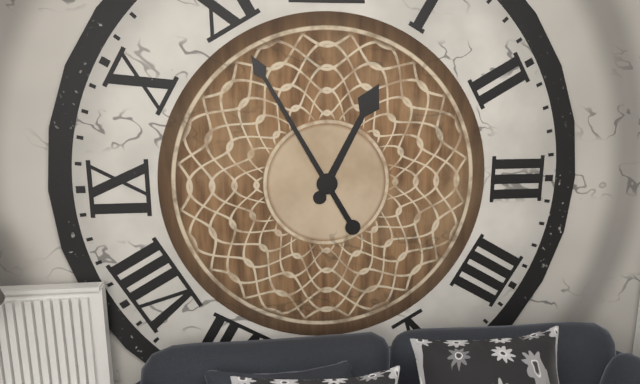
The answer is 12:55
